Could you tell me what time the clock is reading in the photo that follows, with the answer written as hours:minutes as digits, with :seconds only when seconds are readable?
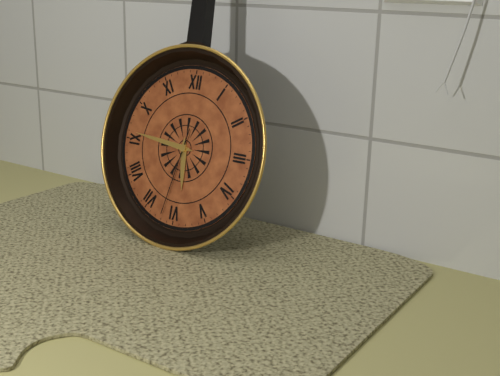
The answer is 5:46:32
